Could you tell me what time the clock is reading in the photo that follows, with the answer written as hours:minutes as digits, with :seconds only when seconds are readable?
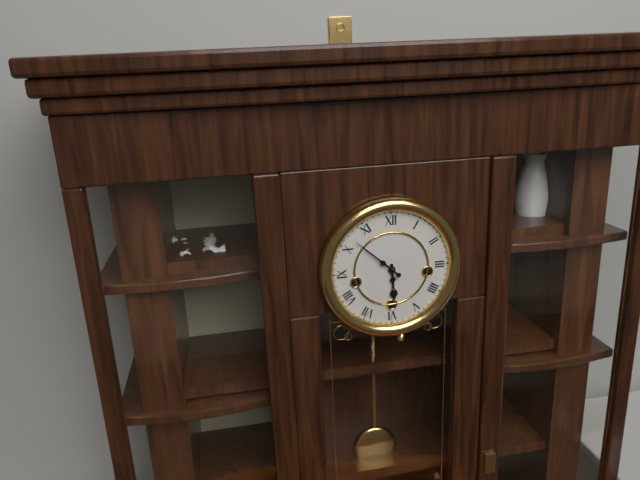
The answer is 5:52
